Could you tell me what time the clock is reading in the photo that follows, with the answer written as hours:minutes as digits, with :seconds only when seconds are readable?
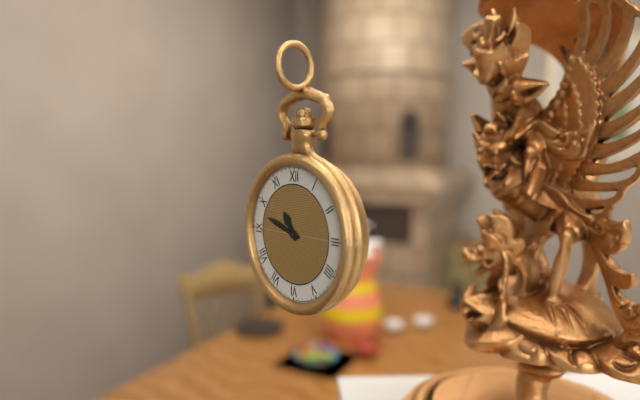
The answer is 10:48
